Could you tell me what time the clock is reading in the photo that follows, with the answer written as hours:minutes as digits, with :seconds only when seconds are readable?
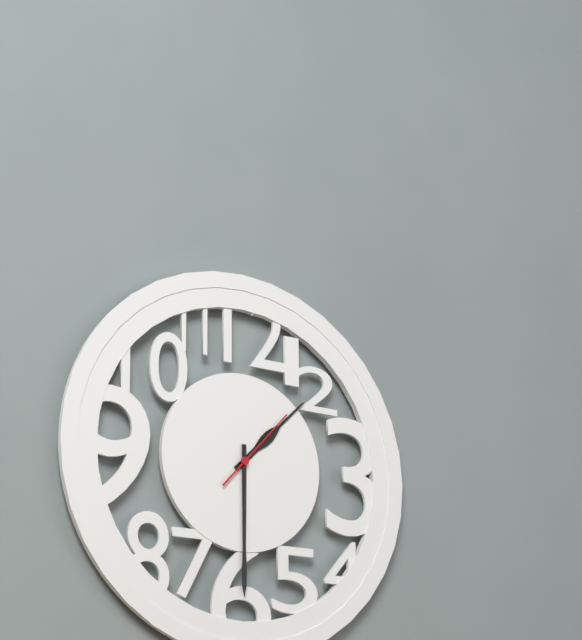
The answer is 1:30:07
